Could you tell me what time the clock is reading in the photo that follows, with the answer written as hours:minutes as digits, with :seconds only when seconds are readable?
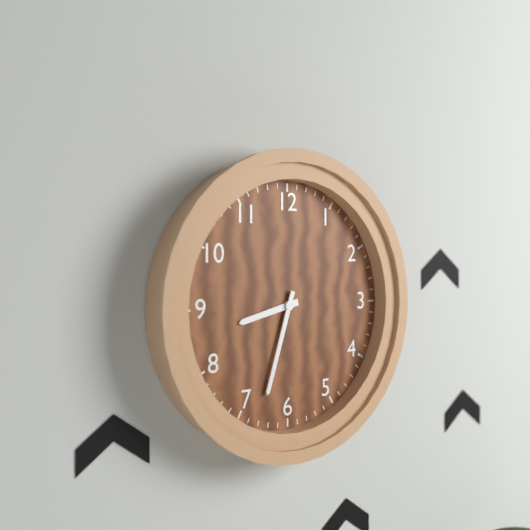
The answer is 8:33
